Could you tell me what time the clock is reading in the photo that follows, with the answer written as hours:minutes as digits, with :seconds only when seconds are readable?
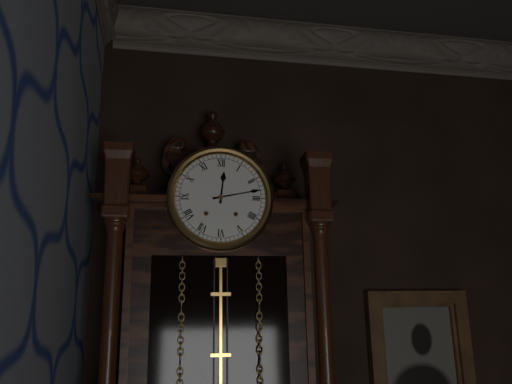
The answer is 12:13
